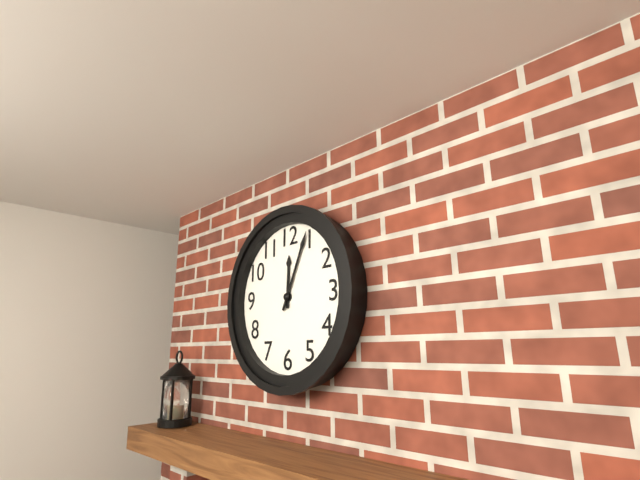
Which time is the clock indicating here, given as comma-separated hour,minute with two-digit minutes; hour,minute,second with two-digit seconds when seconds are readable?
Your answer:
12,04
